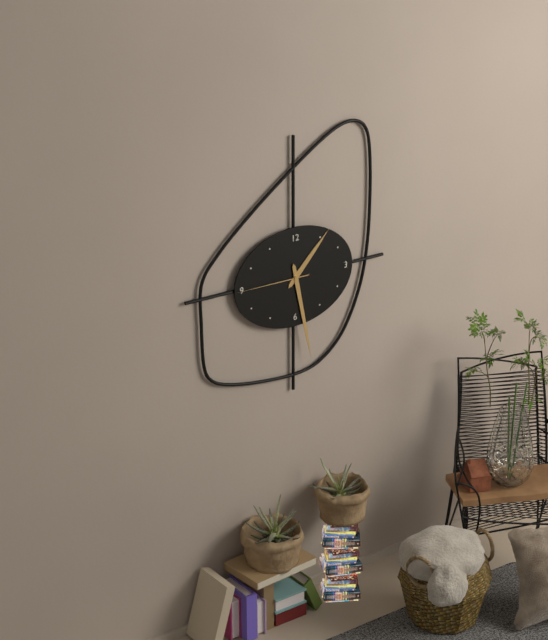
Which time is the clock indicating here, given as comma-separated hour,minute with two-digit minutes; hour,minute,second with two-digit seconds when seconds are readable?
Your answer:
1,28,45
